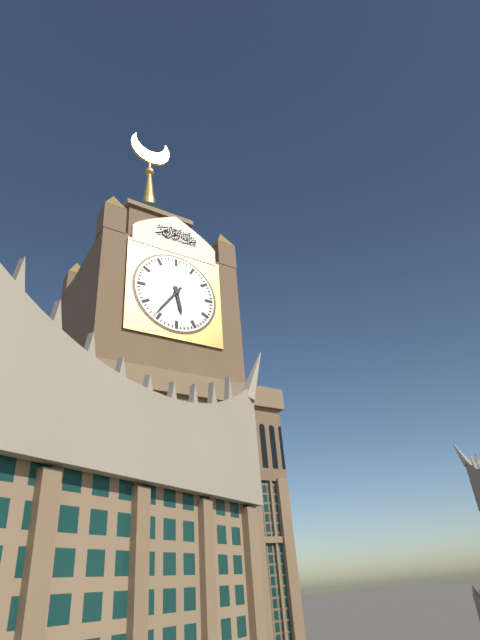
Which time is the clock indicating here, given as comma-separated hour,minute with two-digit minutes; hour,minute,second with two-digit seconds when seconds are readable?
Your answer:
5,36
